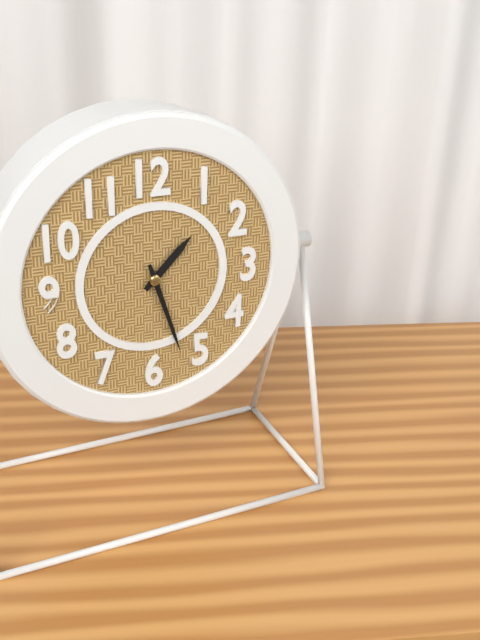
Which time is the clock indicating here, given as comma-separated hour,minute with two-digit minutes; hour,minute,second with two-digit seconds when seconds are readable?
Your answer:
1,27
